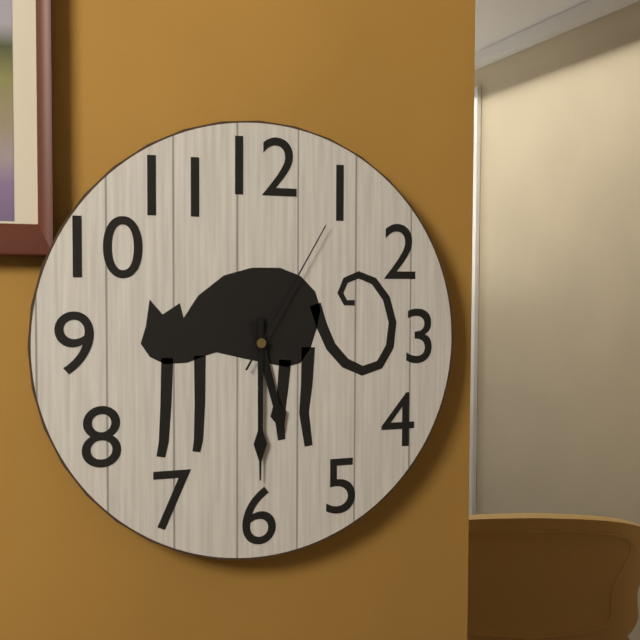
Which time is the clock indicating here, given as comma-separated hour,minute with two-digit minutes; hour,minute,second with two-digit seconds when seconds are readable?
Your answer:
5,30,05
